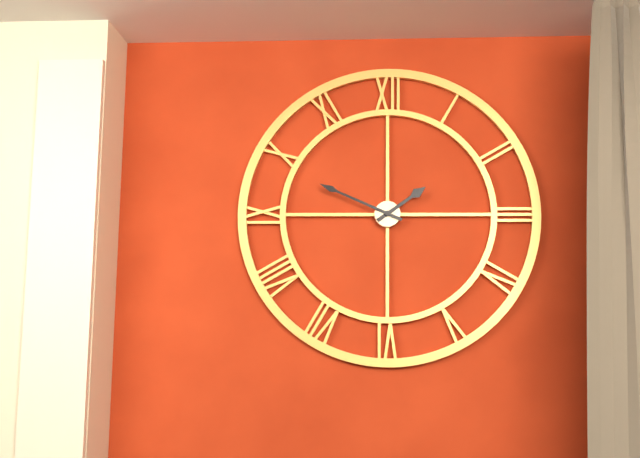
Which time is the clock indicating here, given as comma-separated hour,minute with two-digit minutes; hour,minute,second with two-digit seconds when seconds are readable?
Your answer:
1,49
